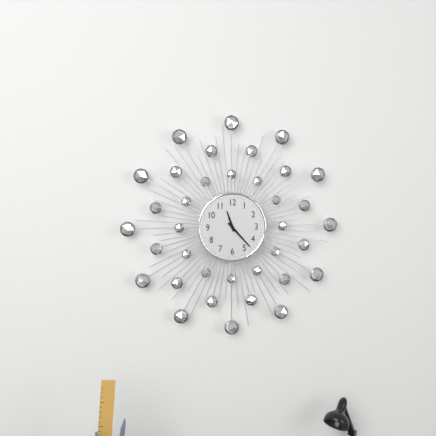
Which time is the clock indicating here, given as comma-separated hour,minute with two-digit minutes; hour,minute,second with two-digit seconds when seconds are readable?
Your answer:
11,23
